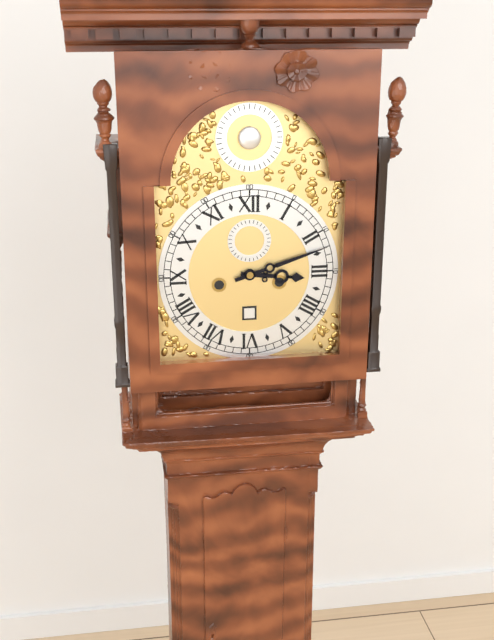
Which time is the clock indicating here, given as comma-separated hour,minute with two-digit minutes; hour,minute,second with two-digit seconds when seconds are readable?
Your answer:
3,12
